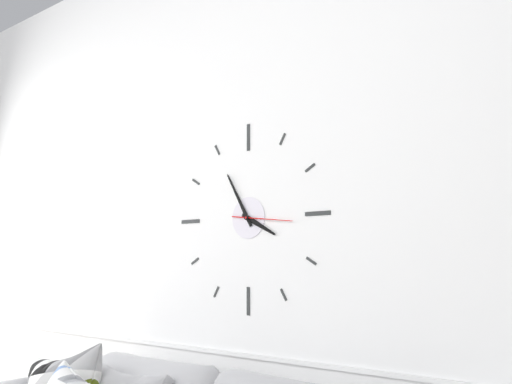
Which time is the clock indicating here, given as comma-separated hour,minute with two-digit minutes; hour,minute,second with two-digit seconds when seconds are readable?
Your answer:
3,55,16
